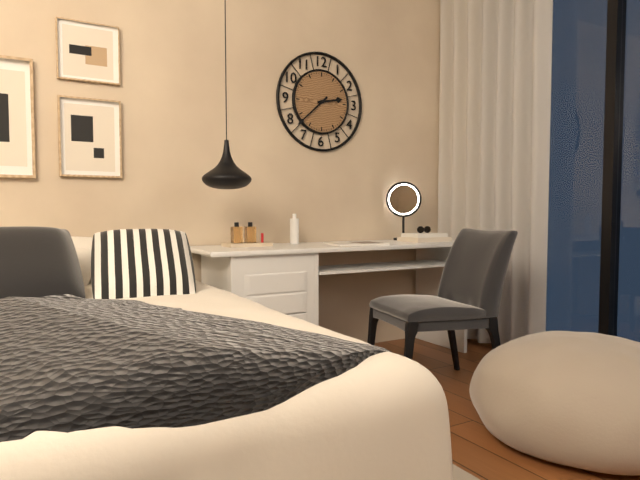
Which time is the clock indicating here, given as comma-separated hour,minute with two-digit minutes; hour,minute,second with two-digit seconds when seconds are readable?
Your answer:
2,38
